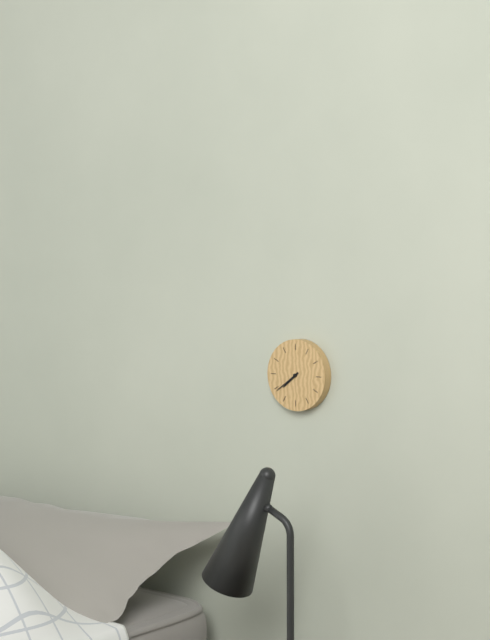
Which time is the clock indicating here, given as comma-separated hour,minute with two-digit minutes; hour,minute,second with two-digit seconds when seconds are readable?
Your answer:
7,39
